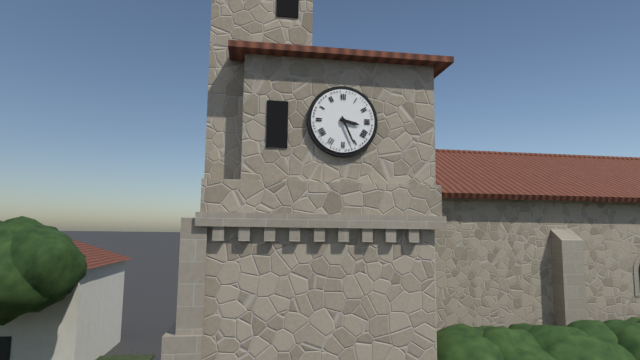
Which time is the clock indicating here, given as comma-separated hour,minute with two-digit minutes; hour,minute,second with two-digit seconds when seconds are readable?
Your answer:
3,26
